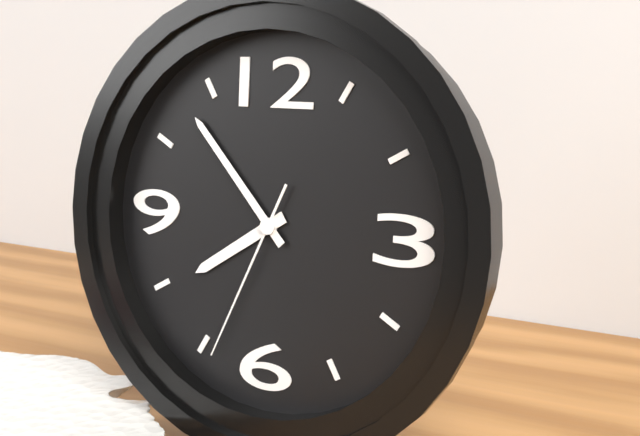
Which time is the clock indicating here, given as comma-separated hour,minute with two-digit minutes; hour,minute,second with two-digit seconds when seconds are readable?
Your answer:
7,53,34
